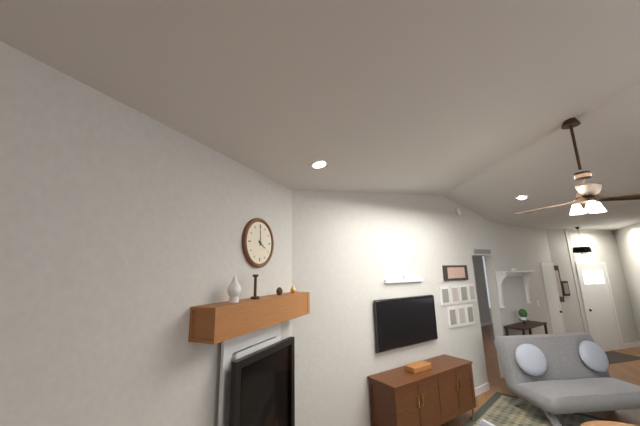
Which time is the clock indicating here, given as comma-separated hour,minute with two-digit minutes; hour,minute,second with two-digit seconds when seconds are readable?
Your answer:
4,00
